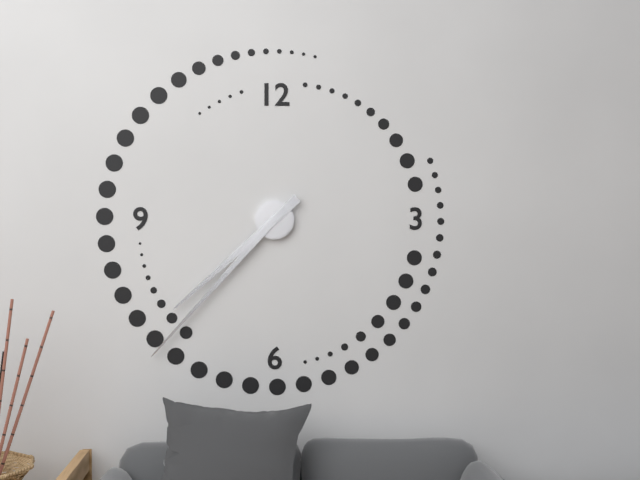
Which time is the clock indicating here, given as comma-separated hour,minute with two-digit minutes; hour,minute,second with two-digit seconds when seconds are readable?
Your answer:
7,37
